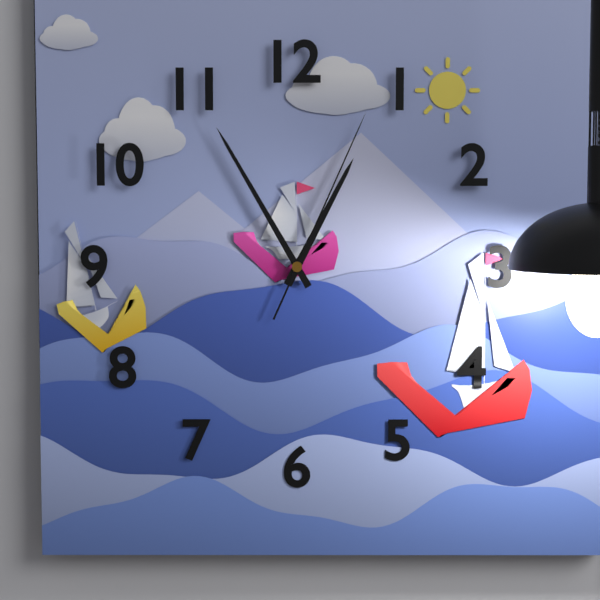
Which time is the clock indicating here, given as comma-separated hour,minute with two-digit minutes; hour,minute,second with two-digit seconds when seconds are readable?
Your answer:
12,55,04
